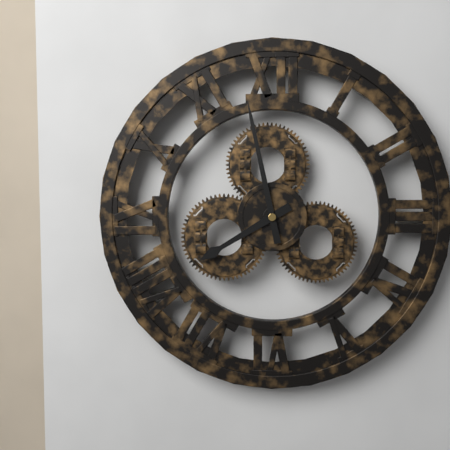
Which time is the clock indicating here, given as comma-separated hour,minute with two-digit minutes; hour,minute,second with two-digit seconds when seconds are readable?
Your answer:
7,58
